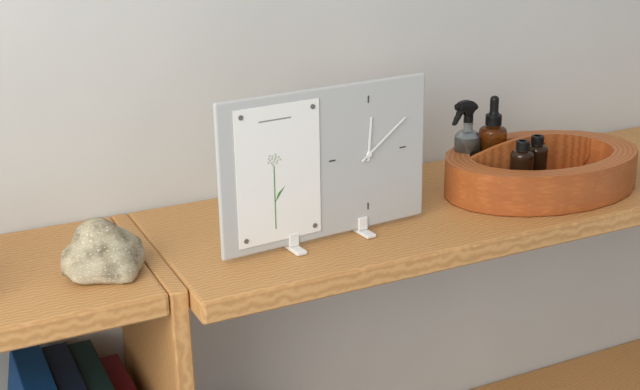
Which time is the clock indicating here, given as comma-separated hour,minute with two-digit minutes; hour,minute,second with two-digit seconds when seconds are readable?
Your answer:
12,09
